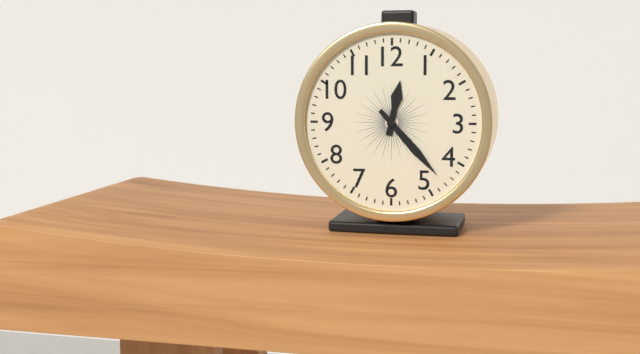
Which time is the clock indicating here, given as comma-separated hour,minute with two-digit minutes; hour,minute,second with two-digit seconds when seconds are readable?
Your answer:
12,23
